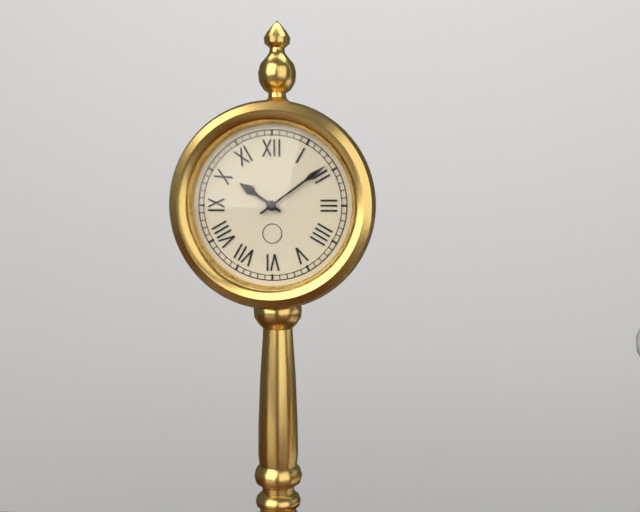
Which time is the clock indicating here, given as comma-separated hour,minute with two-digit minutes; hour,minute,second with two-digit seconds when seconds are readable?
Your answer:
10,09
